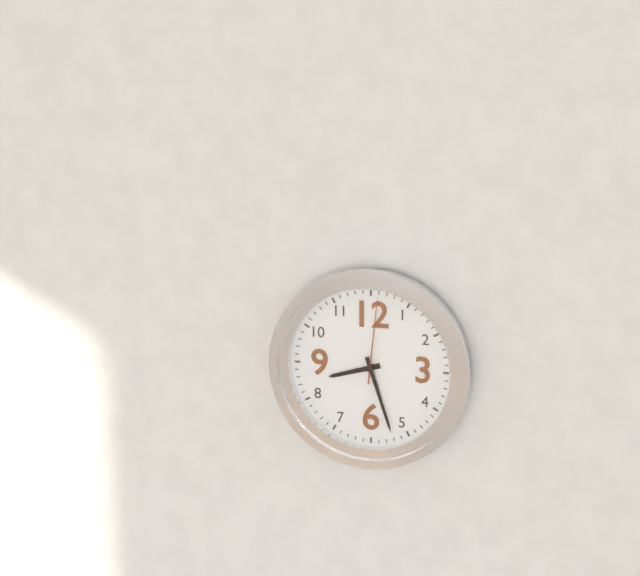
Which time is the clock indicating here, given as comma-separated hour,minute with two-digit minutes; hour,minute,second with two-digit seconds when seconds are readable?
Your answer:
8,27,01
